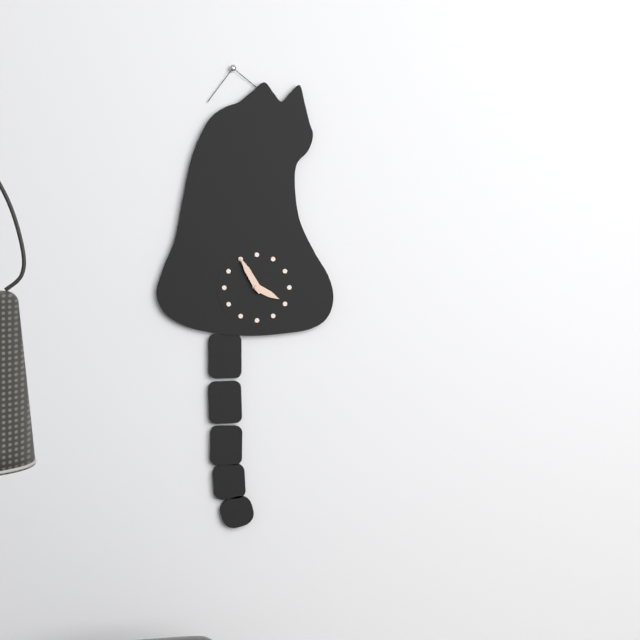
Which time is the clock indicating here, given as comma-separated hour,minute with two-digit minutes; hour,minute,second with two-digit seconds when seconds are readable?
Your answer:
3,55
